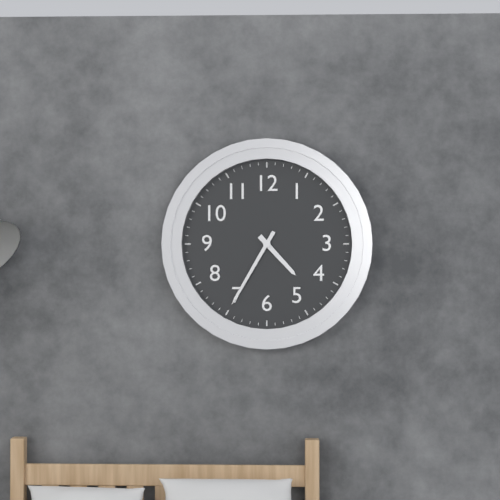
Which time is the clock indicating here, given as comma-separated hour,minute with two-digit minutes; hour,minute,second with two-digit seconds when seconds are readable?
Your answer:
4,35
